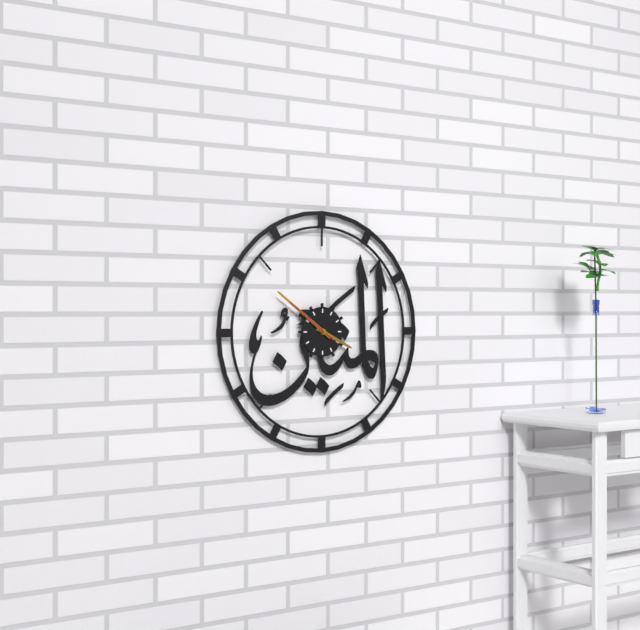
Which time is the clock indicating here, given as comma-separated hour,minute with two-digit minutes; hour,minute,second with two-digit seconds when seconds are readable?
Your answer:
3,51,51
